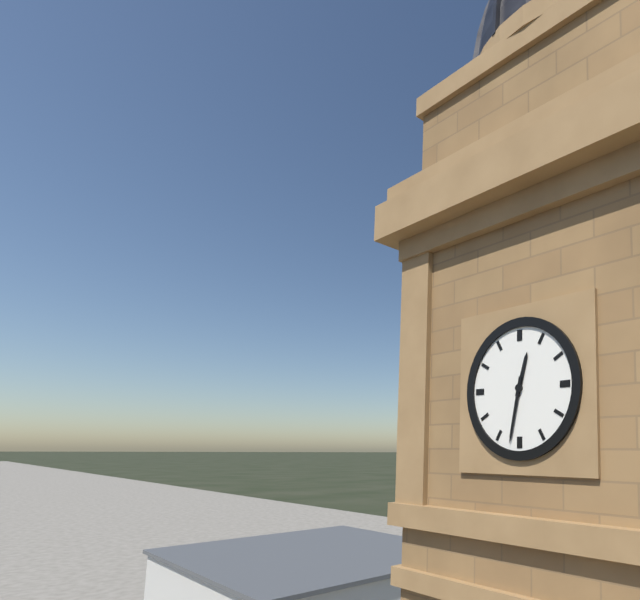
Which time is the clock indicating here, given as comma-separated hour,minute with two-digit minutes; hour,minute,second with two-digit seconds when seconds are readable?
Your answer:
12,32
